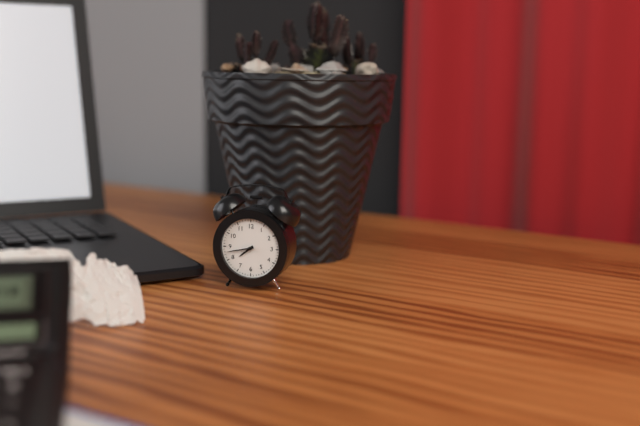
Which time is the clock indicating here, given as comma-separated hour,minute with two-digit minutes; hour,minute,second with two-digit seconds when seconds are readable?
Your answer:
7,43
